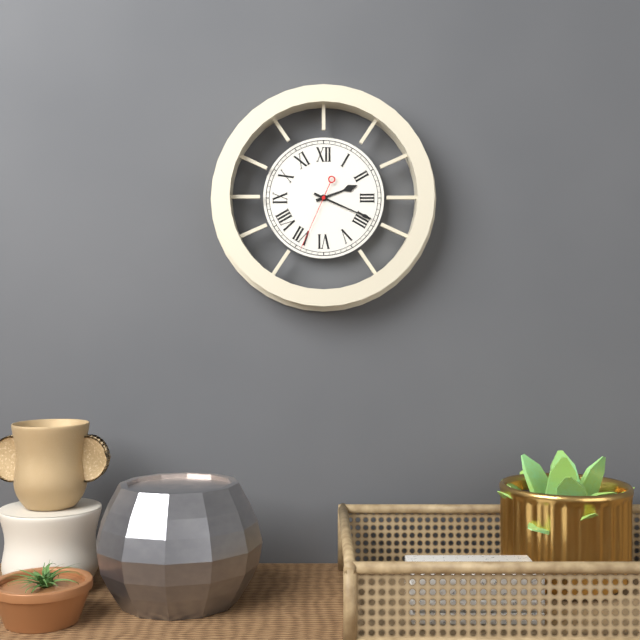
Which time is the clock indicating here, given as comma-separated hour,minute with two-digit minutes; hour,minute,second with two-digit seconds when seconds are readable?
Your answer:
2,19,34
